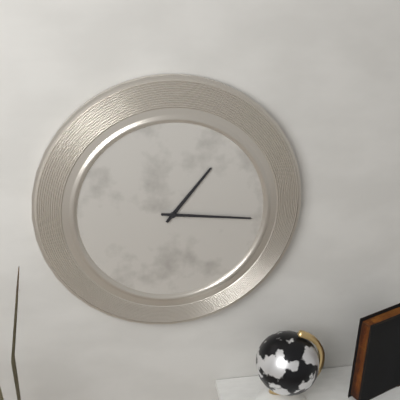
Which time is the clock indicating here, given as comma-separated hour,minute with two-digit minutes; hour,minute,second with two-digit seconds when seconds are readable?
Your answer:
1,16
